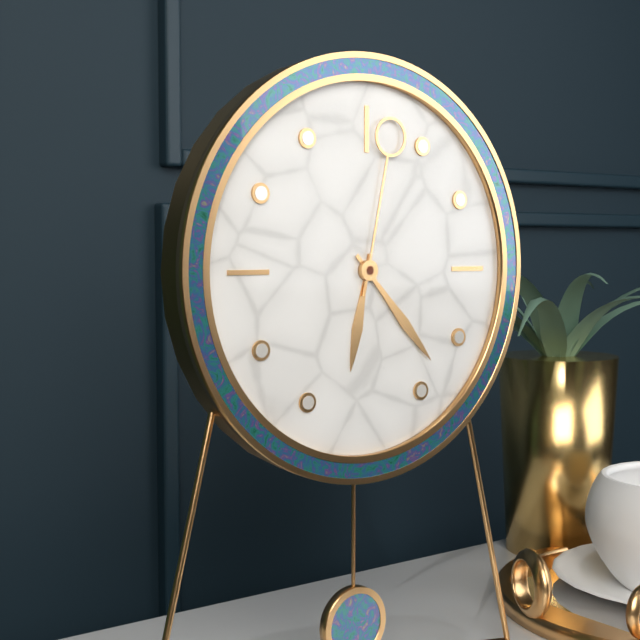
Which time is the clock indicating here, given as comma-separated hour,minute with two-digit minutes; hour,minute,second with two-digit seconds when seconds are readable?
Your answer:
6,23,02
